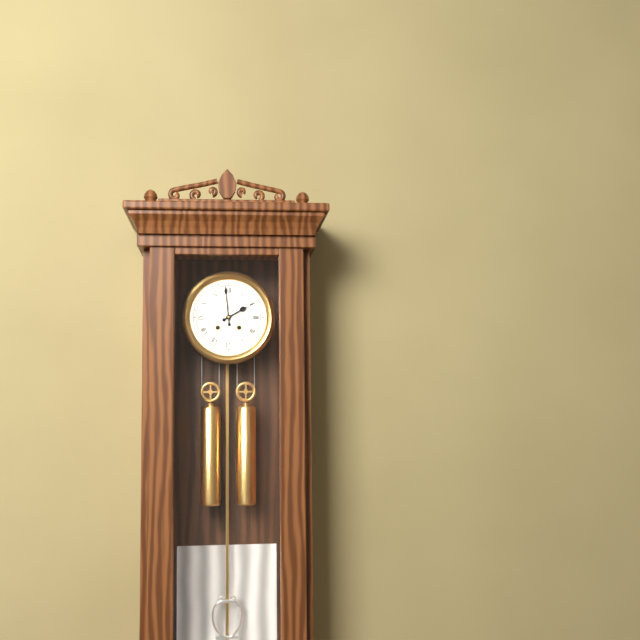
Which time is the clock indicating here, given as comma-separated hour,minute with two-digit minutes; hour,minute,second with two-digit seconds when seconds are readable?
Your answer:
1,59
